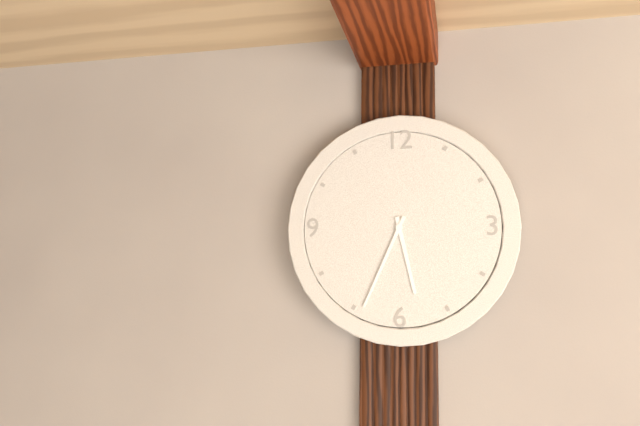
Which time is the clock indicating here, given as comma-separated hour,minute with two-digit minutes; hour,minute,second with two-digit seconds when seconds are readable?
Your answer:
5,34
